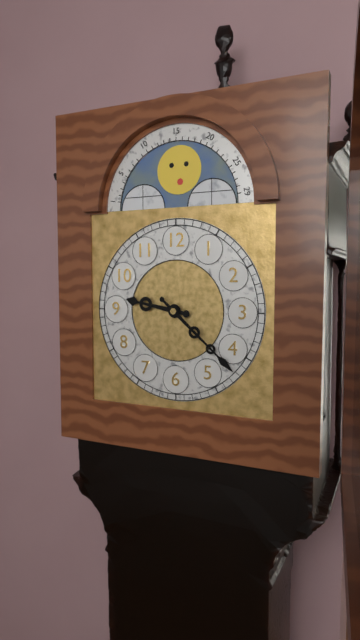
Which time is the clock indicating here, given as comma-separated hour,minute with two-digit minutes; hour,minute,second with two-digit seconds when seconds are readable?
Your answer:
9,22
